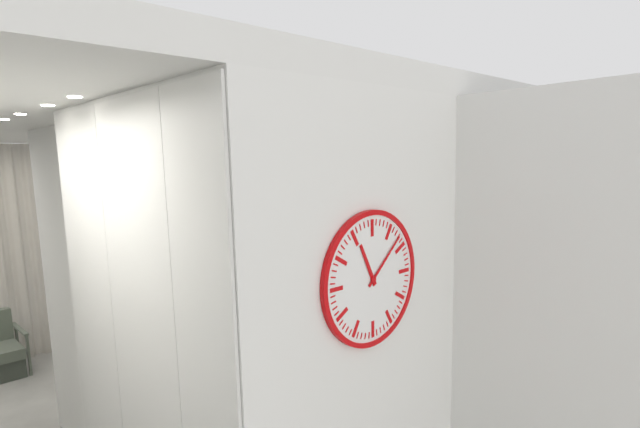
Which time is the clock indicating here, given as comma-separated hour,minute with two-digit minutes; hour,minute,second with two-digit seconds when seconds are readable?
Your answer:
11,08
